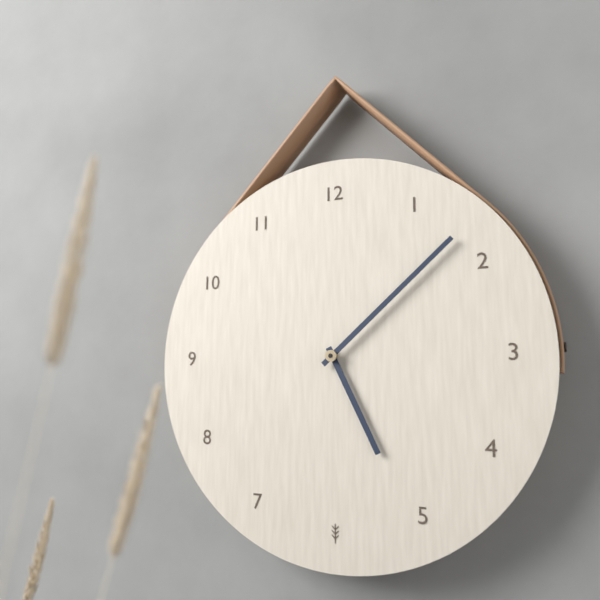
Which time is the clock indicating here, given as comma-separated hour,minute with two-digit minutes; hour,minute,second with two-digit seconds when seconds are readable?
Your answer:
5,08
